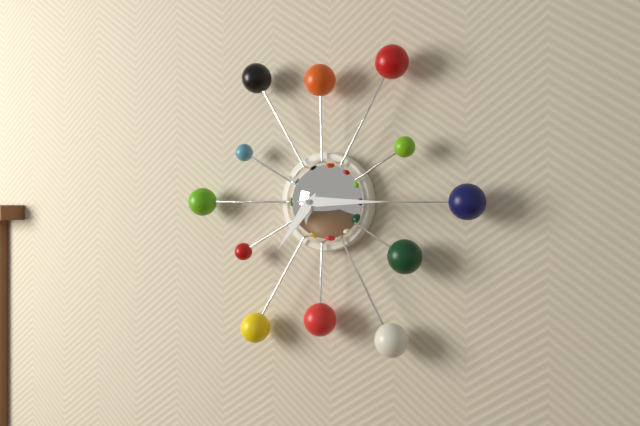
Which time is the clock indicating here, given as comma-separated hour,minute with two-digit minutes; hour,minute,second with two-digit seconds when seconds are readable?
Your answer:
7,15
